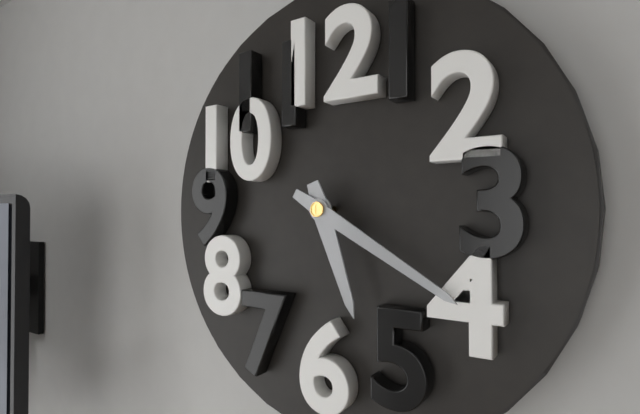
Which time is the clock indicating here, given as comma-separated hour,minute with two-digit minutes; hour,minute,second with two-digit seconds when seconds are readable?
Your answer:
5,20
